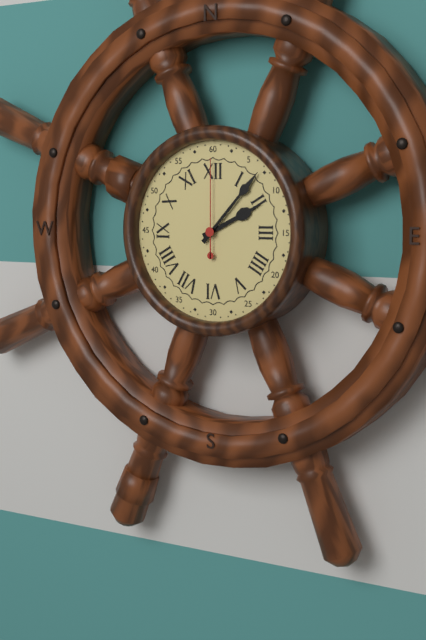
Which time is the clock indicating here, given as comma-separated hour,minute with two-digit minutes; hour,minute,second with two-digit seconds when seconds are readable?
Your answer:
2,07,00
